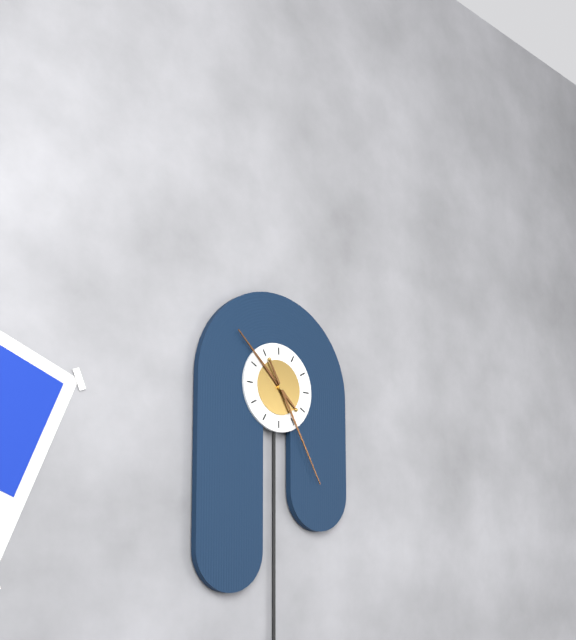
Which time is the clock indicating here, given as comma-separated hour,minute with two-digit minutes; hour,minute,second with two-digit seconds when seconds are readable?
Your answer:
10,25
